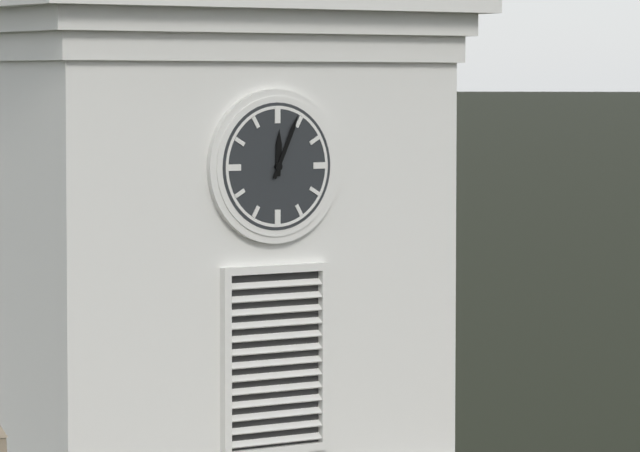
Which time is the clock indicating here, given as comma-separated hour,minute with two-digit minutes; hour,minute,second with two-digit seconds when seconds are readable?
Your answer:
12,04
